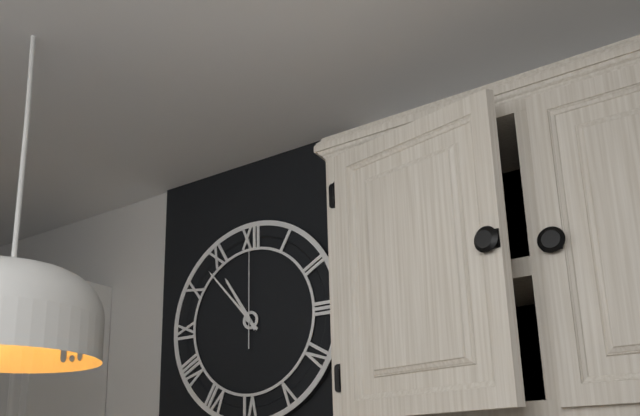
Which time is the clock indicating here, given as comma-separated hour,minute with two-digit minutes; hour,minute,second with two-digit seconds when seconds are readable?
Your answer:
10,53,00
